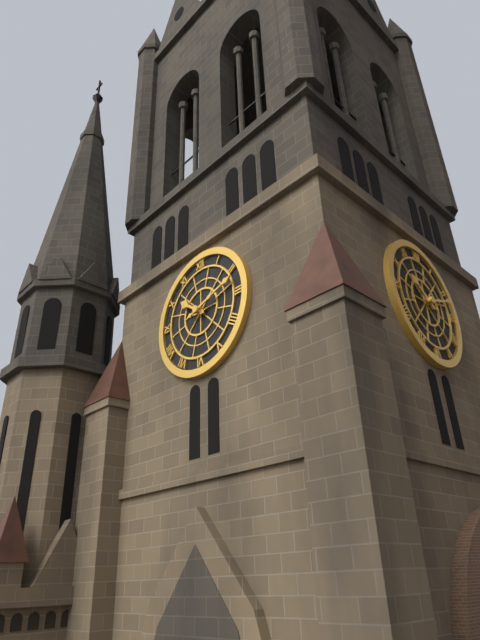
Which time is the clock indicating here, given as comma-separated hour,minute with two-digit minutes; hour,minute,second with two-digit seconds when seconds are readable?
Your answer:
10,12
